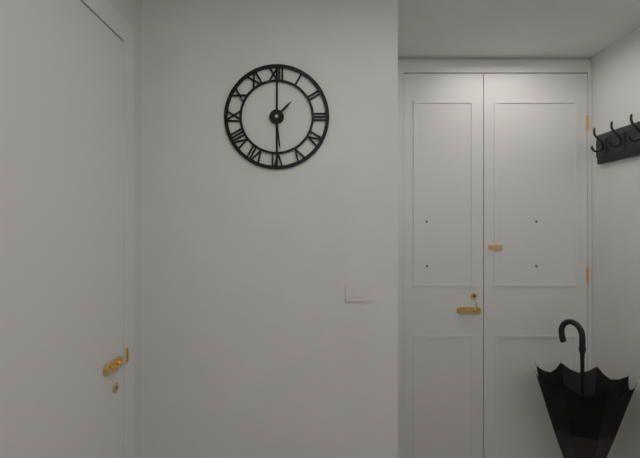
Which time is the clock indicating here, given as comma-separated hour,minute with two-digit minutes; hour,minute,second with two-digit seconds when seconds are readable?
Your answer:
1,29
